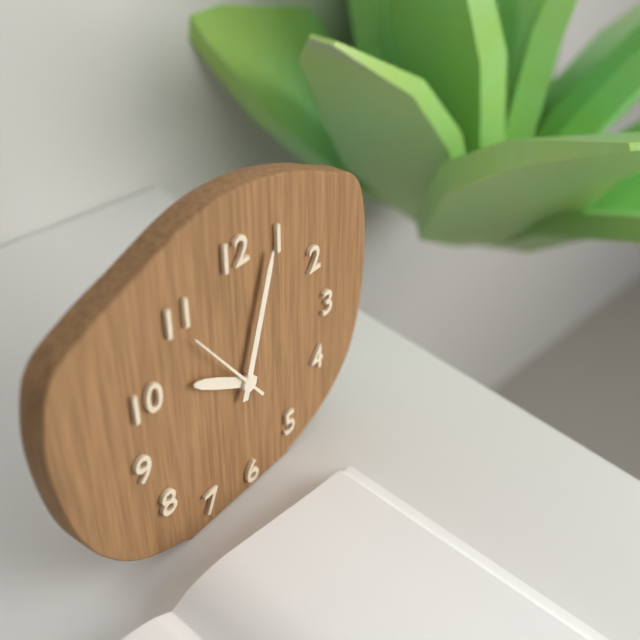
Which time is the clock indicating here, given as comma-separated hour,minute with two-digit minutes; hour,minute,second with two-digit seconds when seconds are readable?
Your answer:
10,03,54
